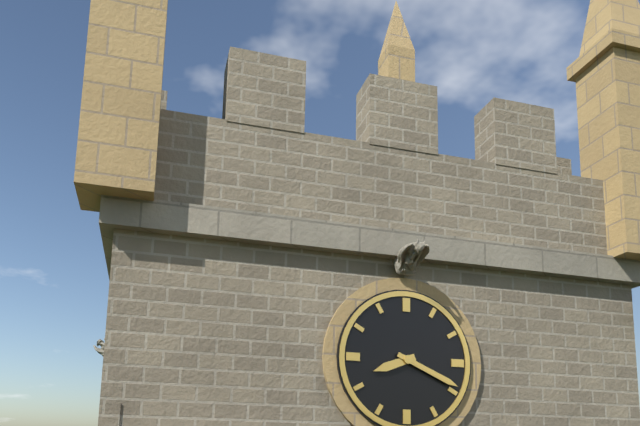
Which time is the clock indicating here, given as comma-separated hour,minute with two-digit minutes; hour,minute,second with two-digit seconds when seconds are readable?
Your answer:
8,19
